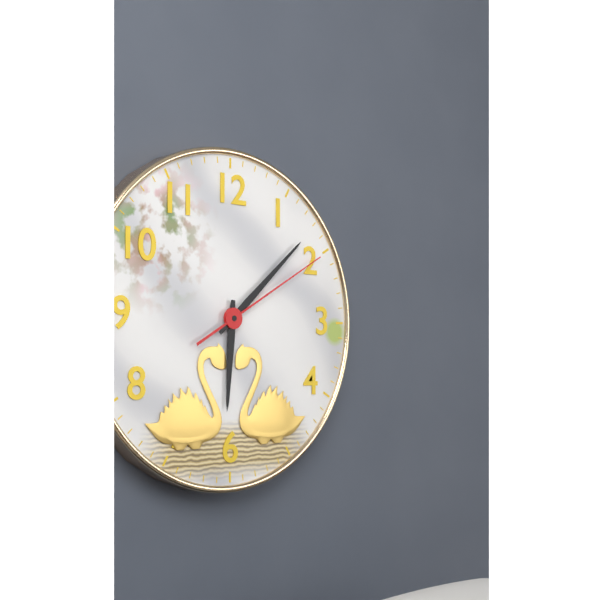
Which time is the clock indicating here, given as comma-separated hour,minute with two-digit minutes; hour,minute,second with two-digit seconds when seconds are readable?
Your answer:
6,08,10
